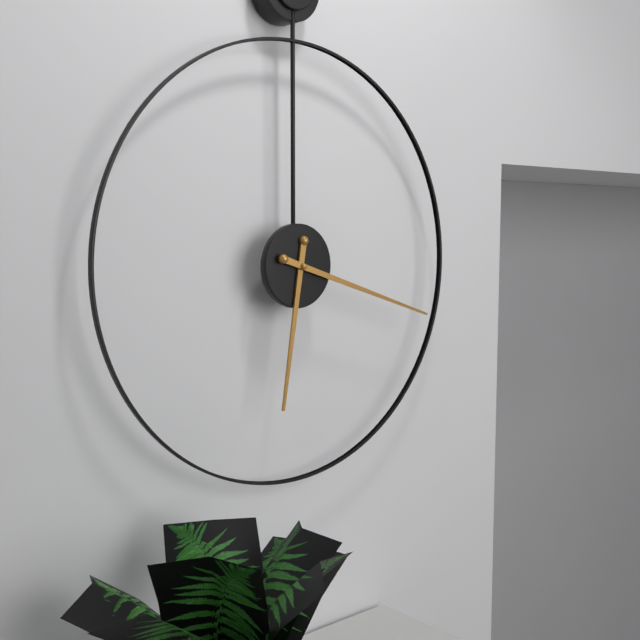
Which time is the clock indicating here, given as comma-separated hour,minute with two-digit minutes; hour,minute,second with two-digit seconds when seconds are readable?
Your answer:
6,18
